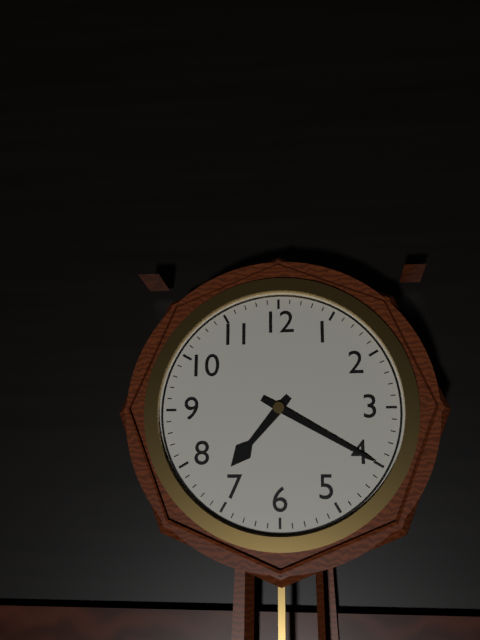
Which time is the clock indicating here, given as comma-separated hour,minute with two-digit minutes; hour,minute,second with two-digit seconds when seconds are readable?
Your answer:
7,20
